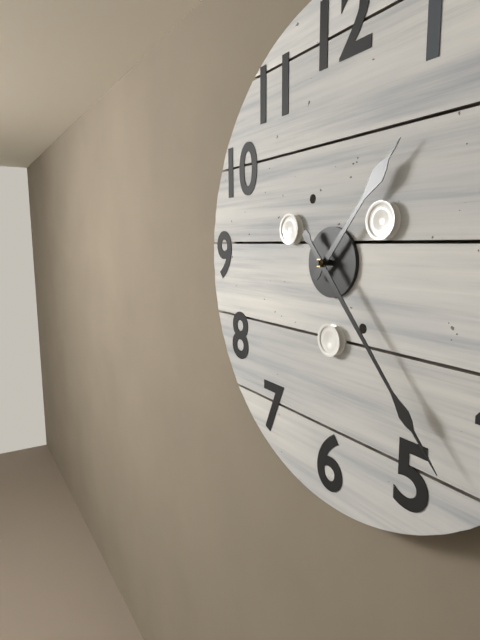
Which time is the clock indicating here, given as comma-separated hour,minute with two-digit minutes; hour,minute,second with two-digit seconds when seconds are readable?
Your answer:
1,23
